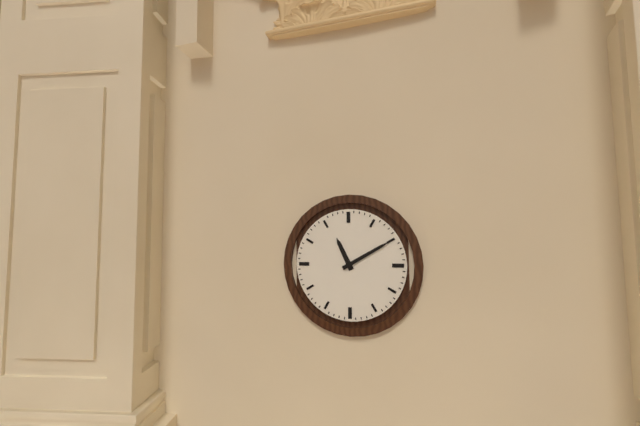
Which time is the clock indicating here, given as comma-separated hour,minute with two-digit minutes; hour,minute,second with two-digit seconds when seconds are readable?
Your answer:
11,10
